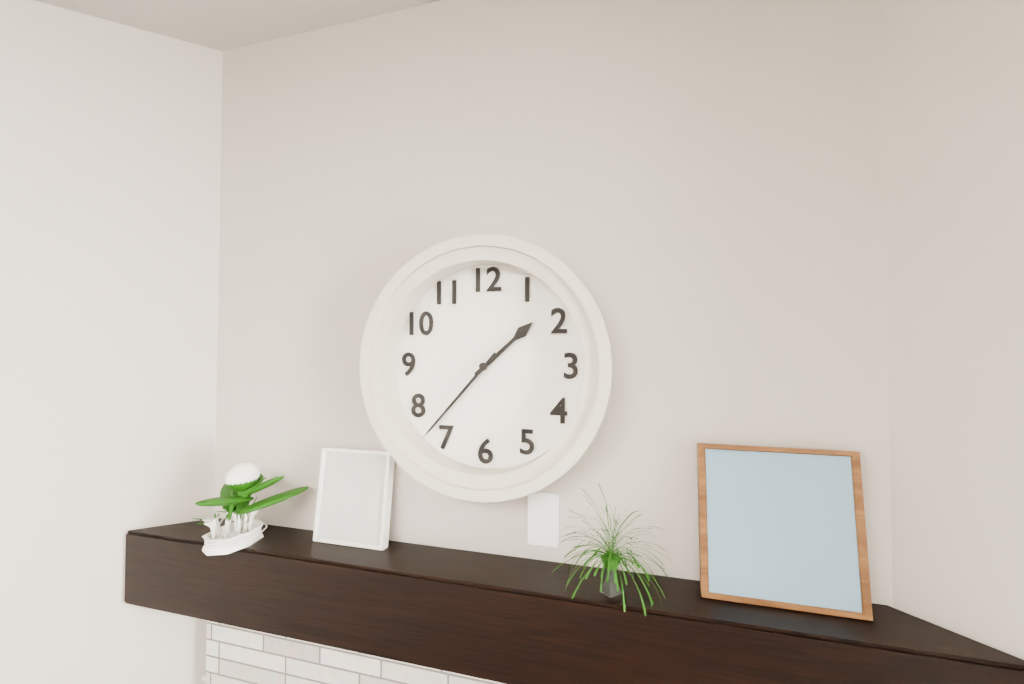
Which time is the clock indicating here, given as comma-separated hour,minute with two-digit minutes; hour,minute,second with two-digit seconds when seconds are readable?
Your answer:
1,37
